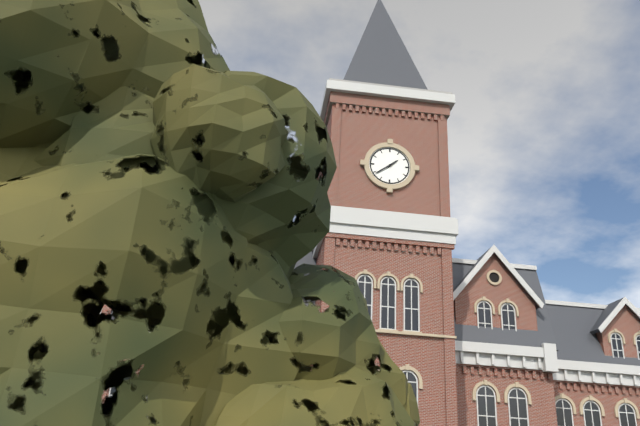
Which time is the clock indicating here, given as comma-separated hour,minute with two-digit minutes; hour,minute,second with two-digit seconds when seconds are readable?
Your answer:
1,39
